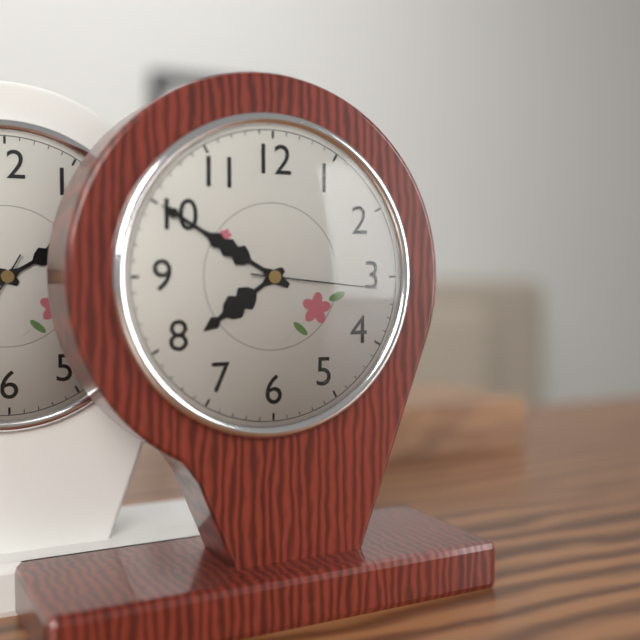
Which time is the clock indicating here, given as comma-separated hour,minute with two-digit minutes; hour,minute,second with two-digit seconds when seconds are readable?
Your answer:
7,50,16
